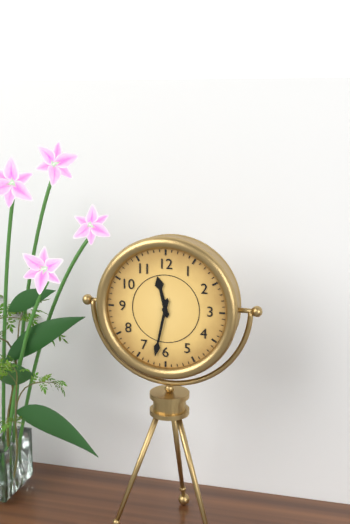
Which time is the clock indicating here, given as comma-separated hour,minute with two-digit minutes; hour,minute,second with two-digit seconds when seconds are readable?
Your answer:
11,32
